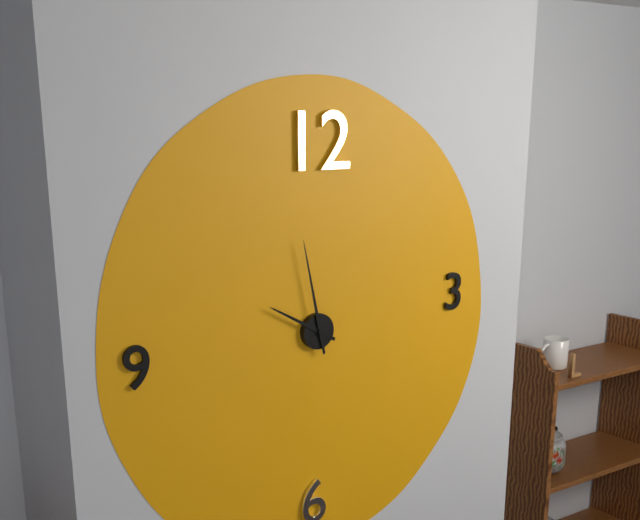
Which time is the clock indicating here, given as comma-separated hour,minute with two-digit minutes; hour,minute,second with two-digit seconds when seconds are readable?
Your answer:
9,58
